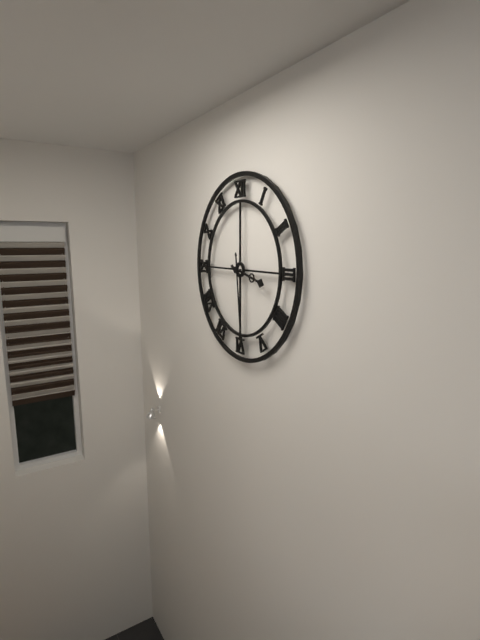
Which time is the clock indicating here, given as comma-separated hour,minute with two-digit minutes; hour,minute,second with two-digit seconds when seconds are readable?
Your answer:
3,29
